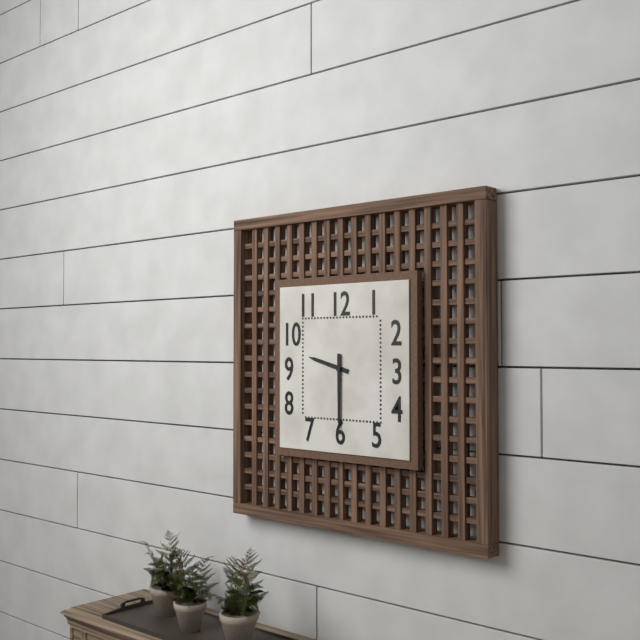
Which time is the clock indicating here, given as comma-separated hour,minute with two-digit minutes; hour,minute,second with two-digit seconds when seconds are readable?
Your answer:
9,30
